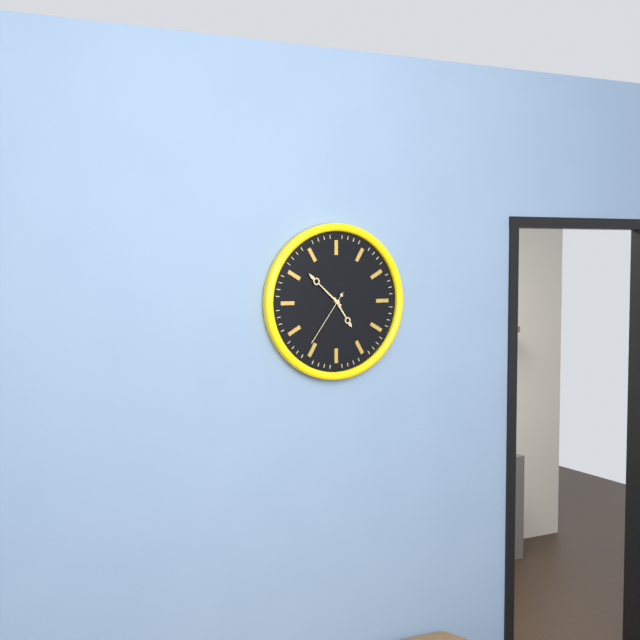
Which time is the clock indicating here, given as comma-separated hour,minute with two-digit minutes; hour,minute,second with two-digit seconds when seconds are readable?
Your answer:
4,52,36
